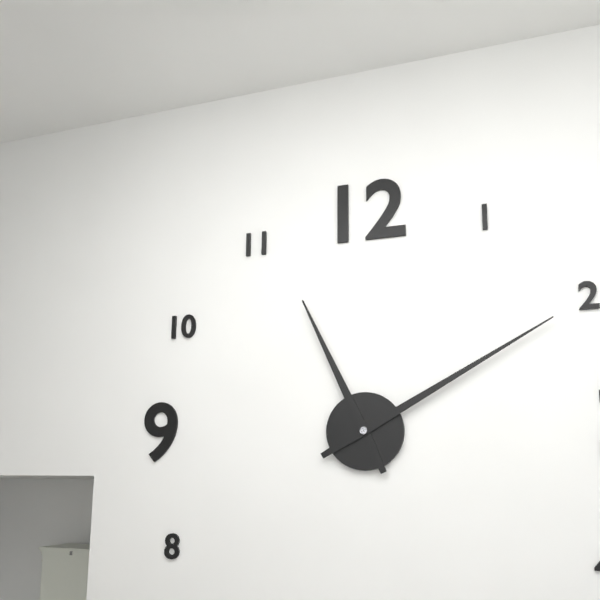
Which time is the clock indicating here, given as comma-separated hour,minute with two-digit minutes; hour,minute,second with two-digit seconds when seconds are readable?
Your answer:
11,10
